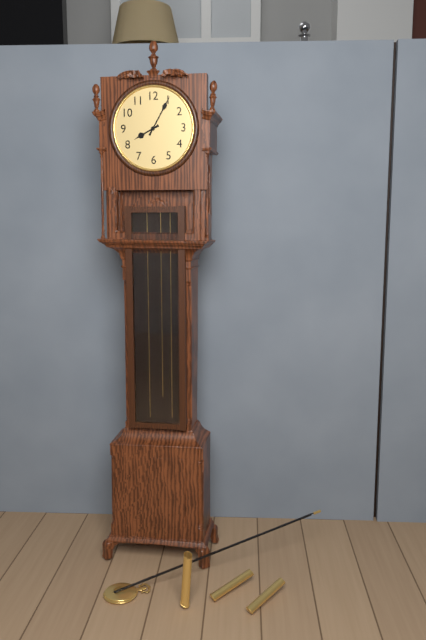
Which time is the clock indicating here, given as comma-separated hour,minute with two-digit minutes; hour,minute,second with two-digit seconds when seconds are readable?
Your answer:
8,05
